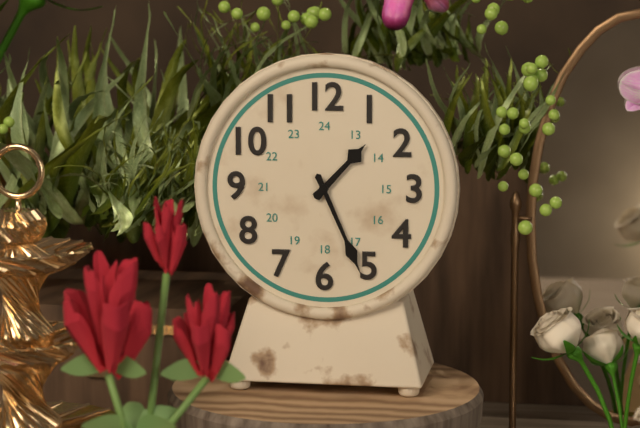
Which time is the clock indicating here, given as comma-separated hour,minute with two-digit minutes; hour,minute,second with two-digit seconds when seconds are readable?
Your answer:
1,26
